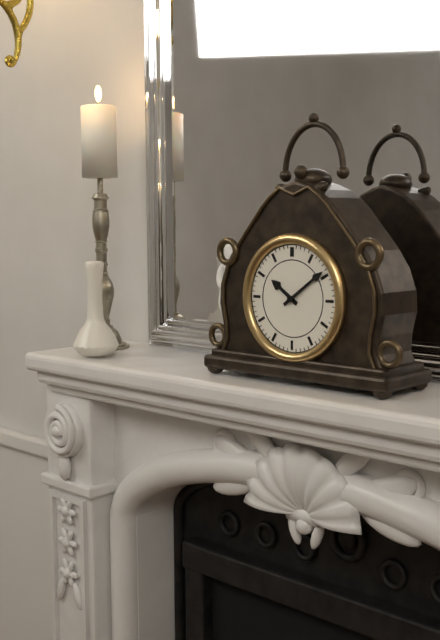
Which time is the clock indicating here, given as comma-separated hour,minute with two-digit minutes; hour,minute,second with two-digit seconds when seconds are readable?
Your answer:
10,09
